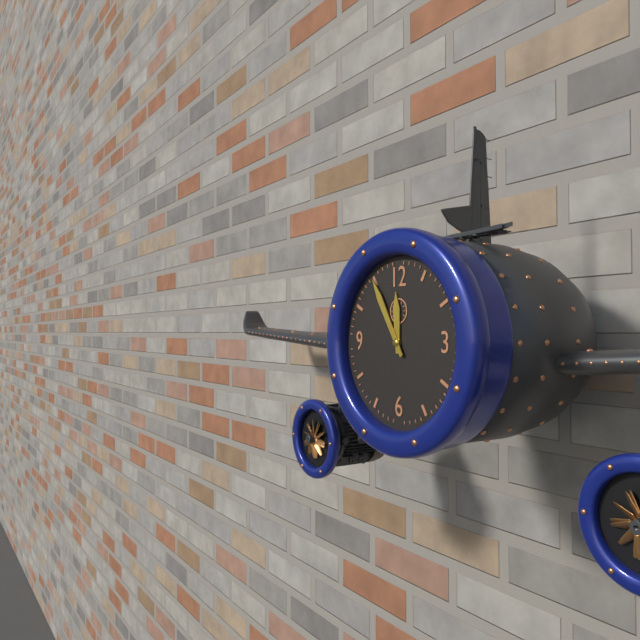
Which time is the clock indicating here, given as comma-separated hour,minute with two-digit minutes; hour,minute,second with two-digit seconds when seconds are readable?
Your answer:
11,55
